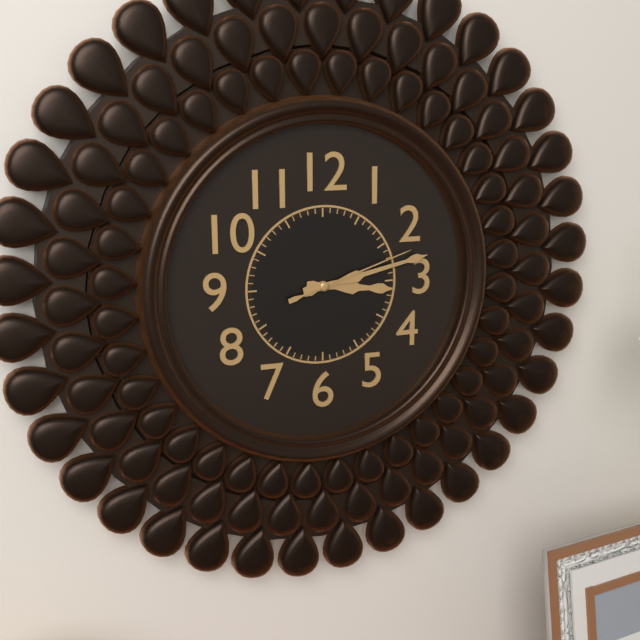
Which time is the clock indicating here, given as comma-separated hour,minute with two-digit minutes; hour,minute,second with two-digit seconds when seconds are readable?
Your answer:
3,13,12
